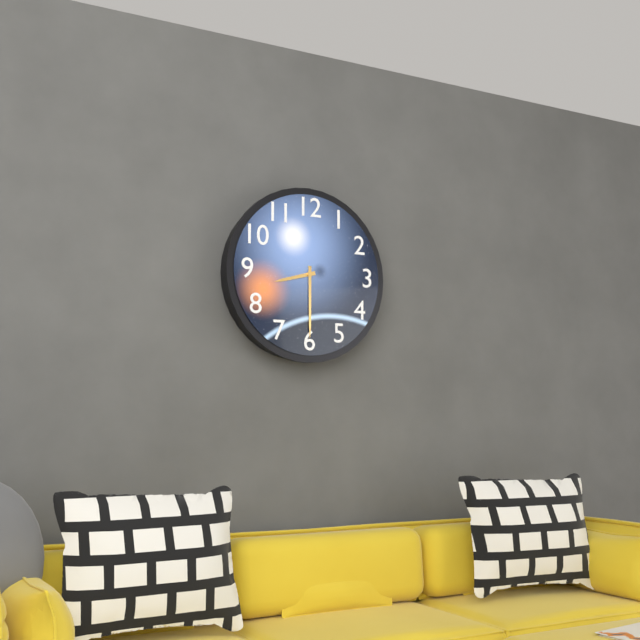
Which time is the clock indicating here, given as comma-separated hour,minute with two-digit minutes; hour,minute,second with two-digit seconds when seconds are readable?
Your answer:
8,30
